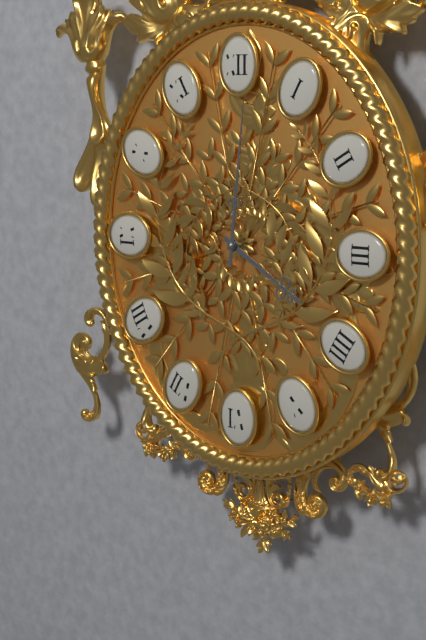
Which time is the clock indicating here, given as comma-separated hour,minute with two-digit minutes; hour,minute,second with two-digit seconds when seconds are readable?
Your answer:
4,01
